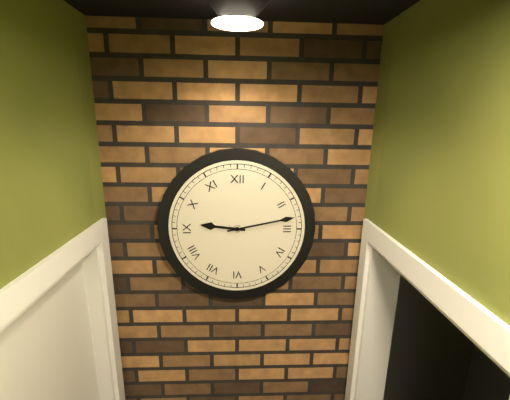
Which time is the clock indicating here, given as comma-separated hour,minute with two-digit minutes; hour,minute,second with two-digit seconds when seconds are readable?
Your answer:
9,13
